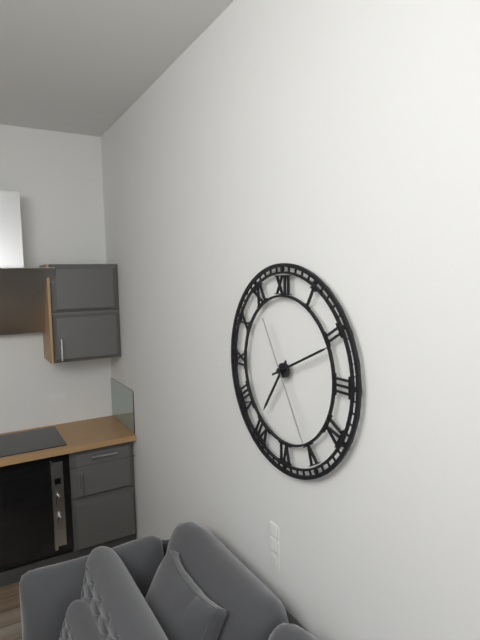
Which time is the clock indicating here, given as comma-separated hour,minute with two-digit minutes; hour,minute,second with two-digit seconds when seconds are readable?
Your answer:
7,11,25
